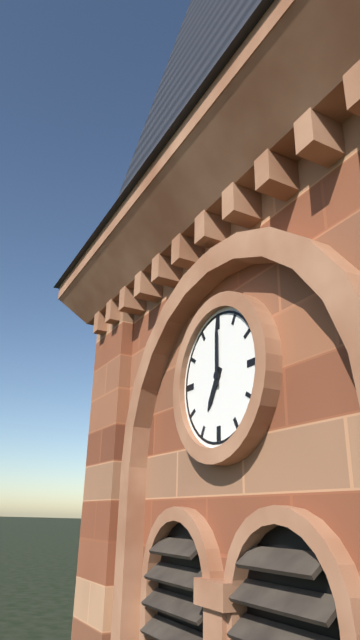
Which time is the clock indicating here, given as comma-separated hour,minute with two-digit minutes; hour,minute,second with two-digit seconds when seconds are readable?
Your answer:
7,00
